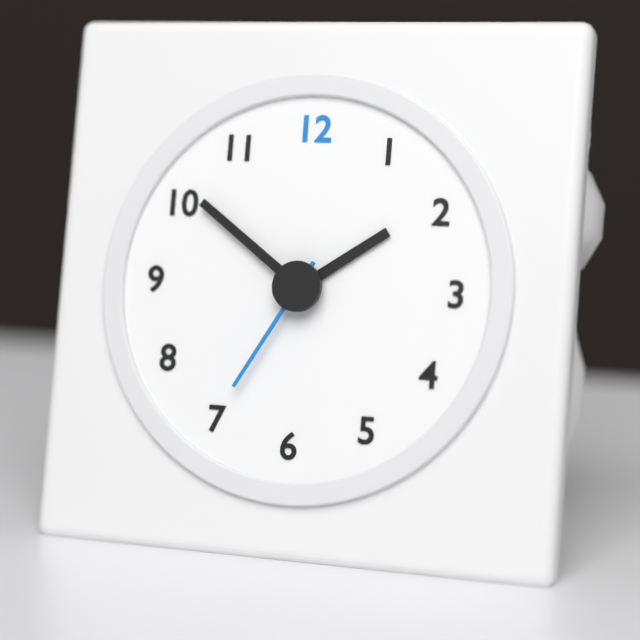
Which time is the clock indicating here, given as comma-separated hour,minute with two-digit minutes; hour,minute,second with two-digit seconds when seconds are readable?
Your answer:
1,51,35
